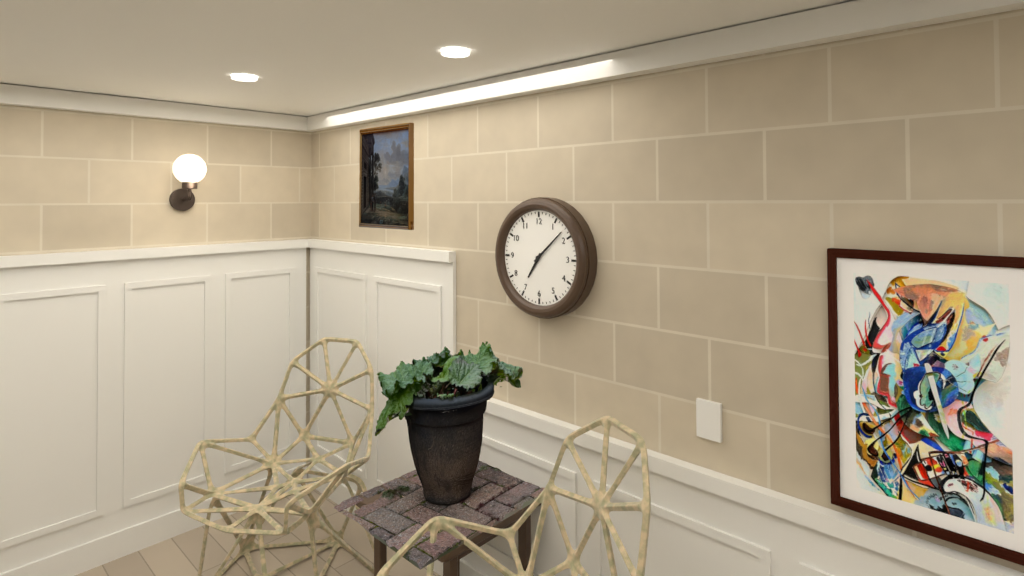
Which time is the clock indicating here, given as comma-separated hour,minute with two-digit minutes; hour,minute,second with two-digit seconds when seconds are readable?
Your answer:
7,08
